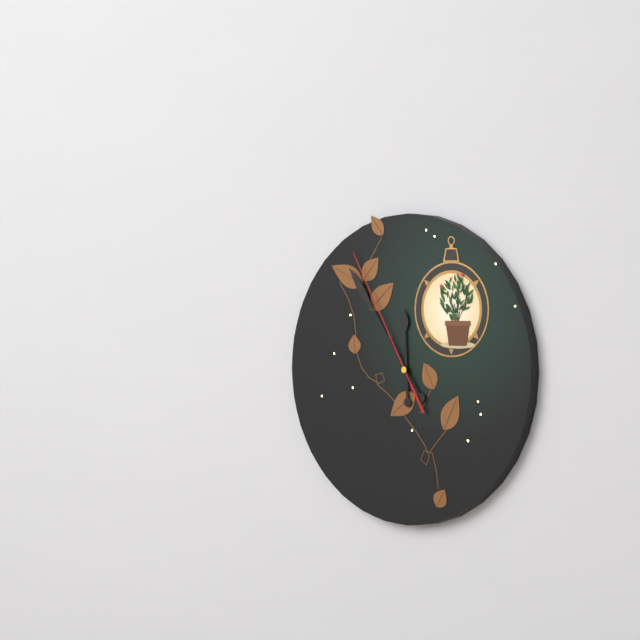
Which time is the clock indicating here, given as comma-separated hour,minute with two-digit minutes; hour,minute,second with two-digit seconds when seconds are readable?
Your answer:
11,54,55
